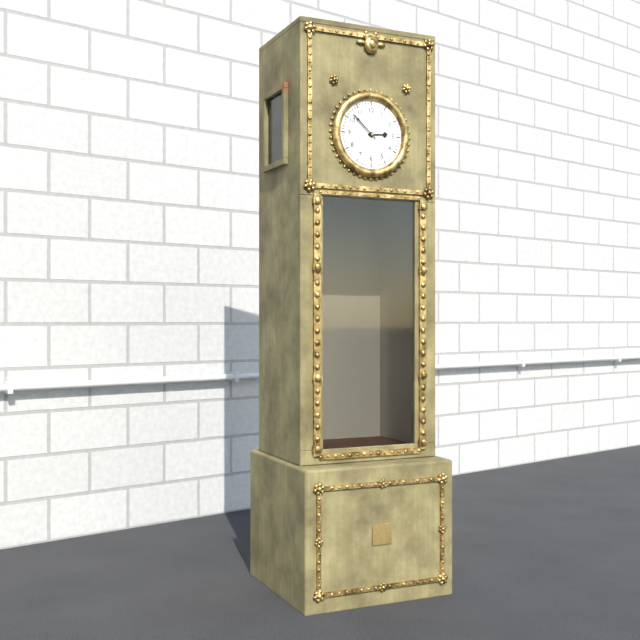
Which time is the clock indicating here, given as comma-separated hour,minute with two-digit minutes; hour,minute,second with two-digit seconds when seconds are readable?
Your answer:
2,52
